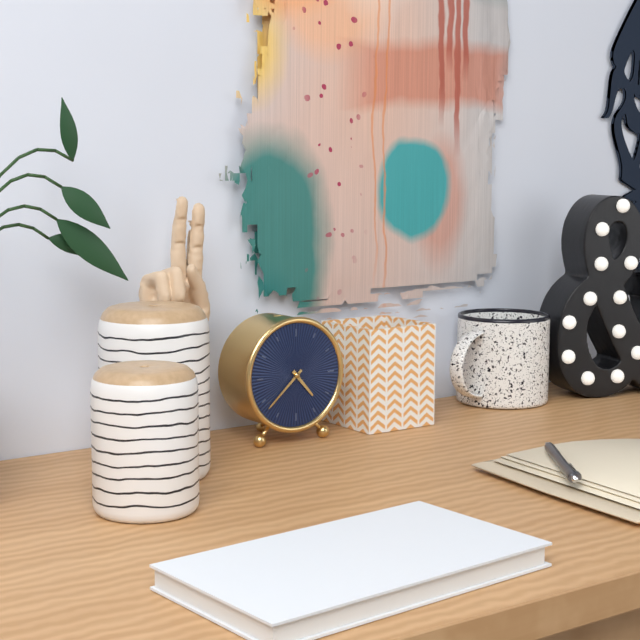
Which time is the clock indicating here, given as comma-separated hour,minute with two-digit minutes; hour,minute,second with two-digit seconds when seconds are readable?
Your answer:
4,38
